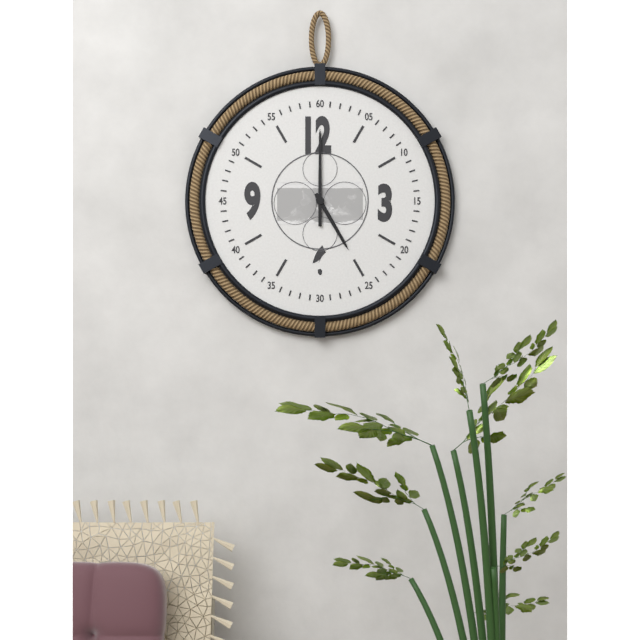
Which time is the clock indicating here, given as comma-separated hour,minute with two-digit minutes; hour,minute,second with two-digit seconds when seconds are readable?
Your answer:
5,00
